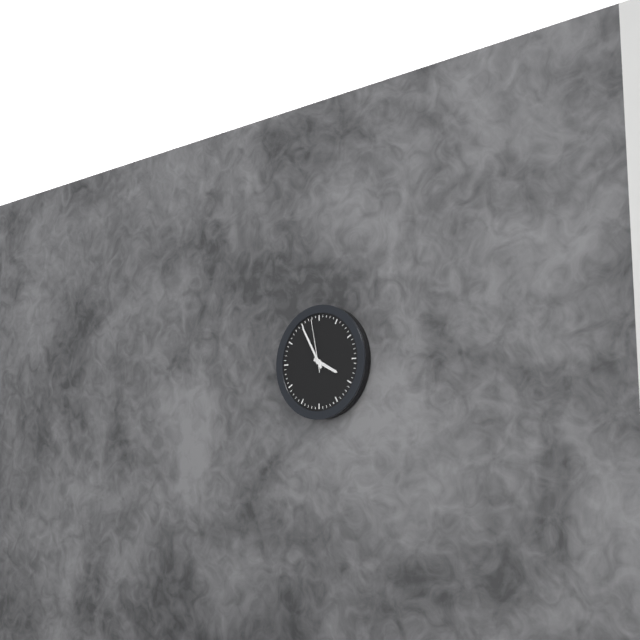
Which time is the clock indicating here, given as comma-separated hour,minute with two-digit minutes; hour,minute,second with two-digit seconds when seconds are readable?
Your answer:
3,55,58
